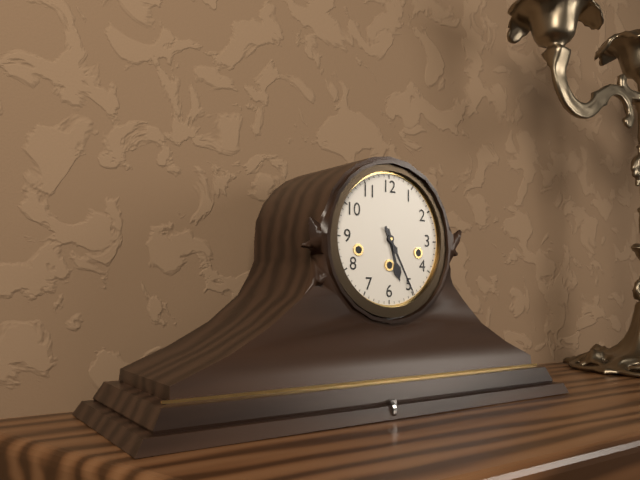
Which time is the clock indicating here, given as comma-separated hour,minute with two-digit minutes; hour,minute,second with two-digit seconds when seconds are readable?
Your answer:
5,25
